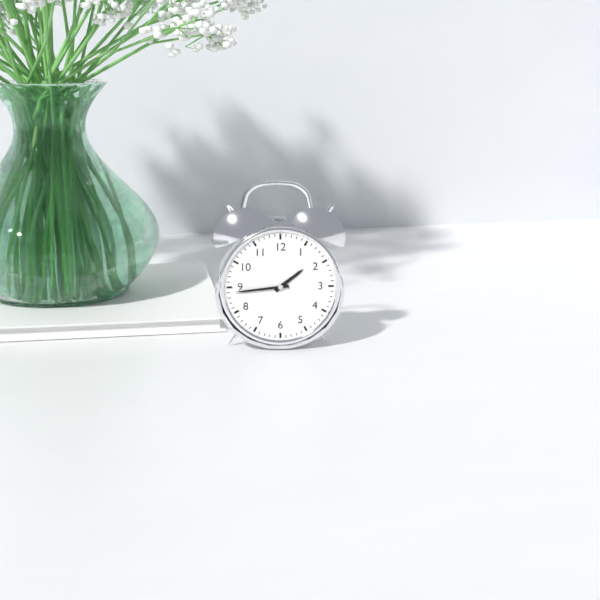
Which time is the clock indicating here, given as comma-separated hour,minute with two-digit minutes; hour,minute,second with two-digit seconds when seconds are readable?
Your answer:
1,44
